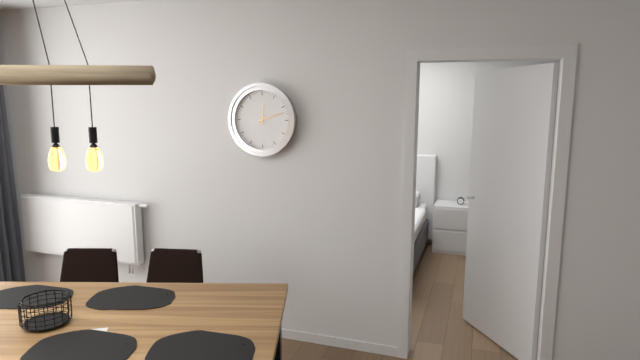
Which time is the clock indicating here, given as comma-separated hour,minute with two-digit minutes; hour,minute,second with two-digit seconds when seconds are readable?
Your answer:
12,12
